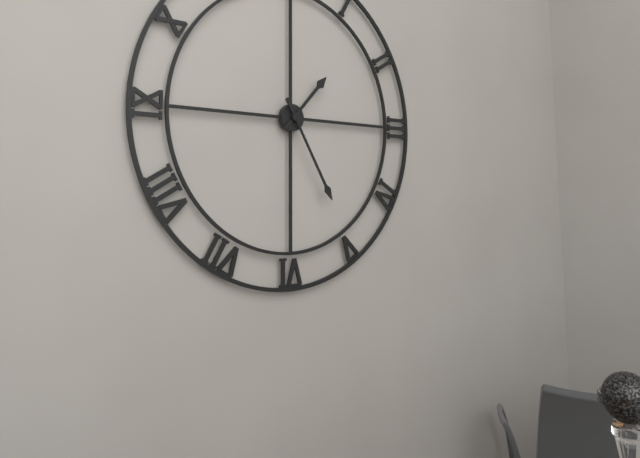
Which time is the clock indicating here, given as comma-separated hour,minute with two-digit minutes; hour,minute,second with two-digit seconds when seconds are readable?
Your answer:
1,25
